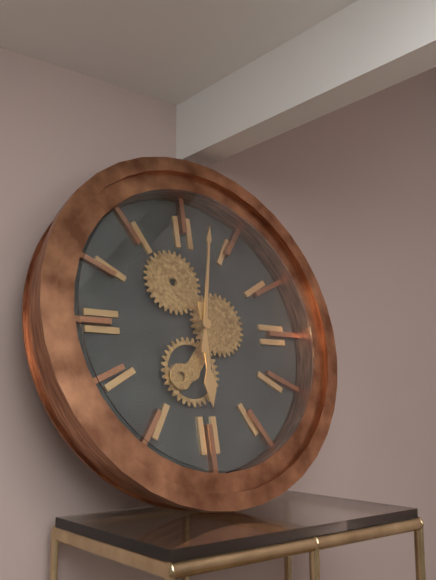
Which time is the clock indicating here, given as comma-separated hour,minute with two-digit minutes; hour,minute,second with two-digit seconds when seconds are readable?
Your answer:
6,02
